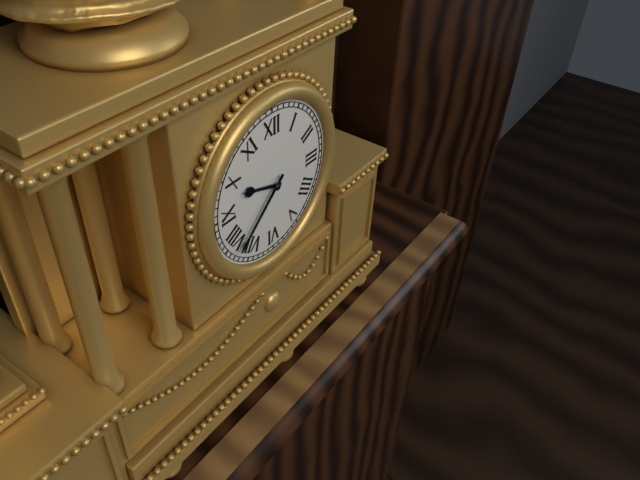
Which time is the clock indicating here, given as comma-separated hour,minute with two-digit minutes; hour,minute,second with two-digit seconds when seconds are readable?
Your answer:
9,38
